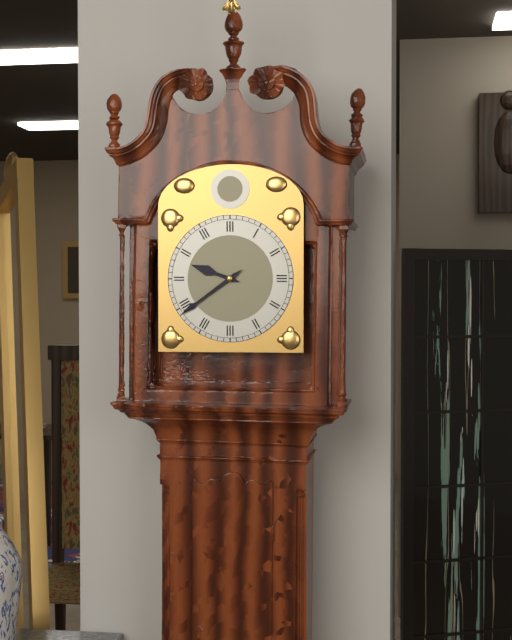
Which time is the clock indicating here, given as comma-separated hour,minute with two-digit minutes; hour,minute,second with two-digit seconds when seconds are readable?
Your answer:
9,39
